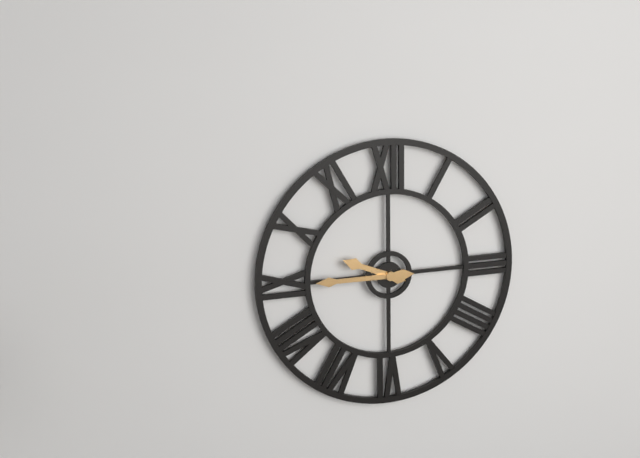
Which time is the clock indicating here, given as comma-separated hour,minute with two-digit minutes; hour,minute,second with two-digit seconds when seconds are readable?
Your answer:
9,45
